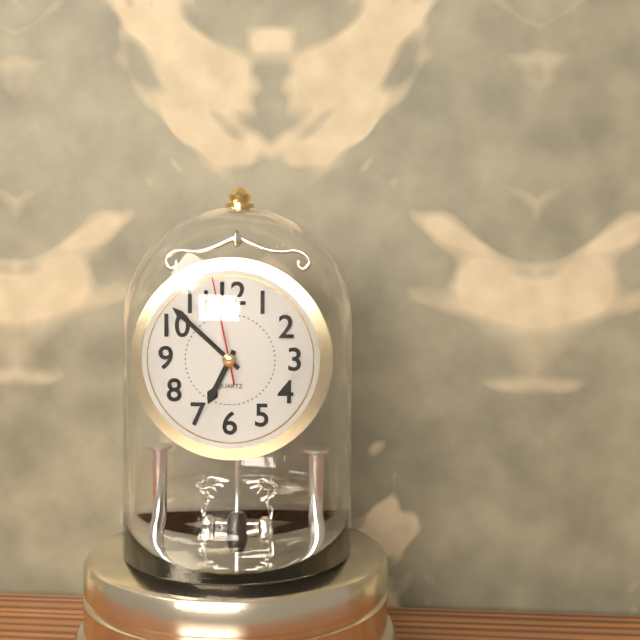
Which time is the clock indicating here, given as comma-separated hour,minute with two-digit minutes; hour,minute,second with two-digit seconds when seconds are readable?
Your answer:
6,52,58
